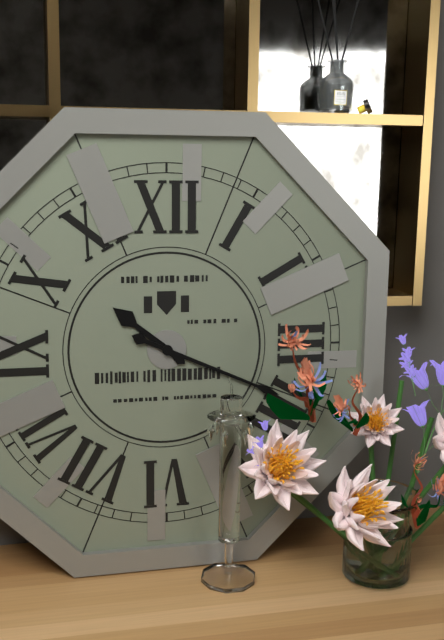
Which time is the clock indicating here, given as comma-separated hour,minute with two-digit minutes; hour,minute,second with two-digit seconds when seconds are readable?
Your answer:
10,19
